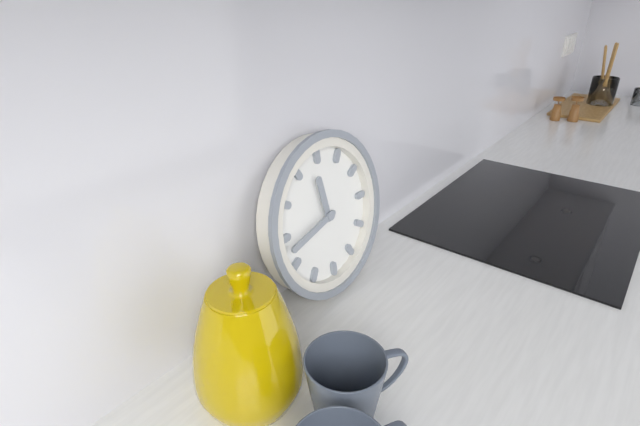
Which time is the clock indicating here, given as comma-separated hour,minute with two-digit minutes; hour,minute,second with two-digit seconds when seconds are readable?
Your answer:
11,43
